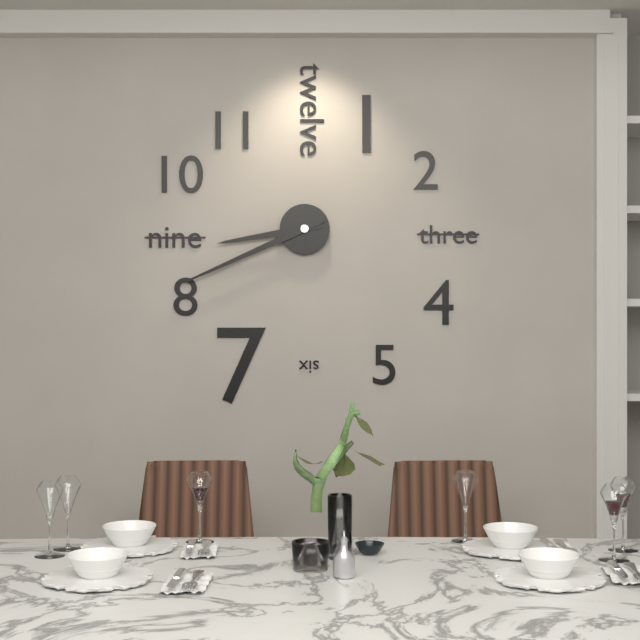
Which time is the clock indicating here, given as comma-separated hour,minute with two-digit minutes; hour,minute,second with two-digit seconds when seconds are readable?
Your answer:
8,41
